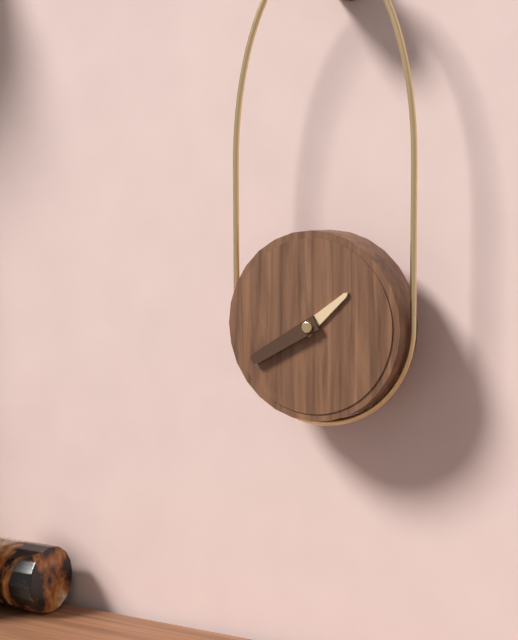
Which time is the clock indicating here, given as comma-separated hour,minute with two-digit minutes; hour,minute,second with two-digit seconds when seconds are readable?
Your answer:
1,40
